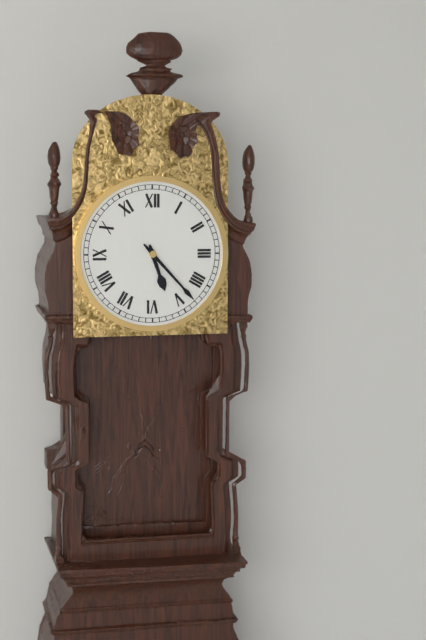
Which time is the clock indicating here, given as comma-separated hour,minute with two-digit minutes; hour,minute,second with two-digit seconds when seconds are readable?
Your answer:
5,23
